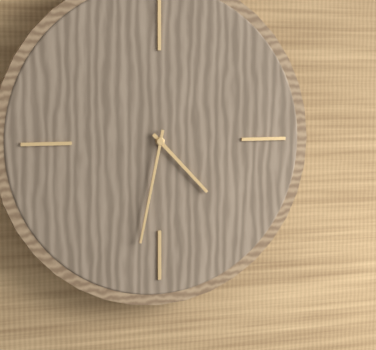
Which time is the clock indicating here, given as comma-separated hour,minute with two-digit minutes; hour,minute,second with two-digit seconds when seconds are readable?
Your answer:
4,32
